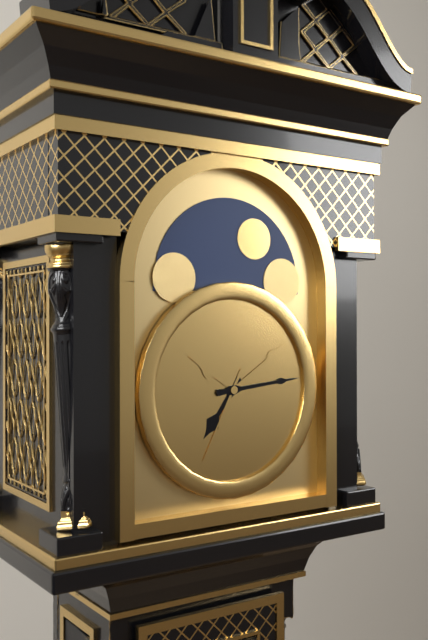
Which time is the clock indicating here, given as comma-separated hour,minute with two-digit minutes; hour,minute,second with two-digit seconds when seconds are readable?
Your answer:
7,14
